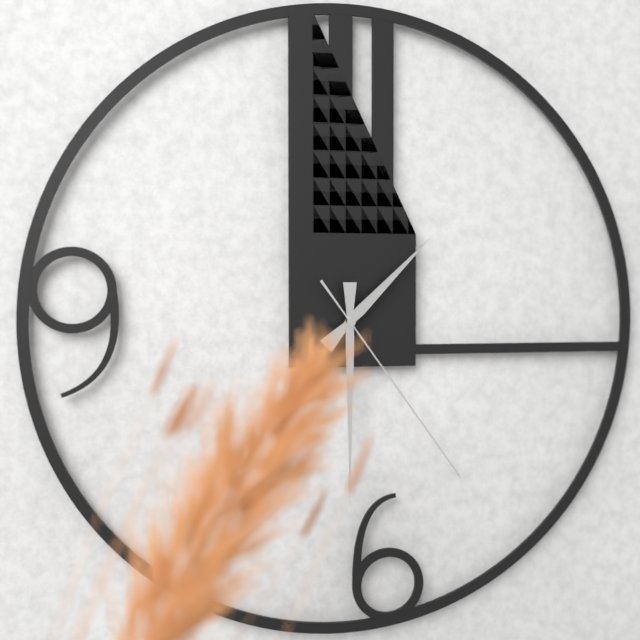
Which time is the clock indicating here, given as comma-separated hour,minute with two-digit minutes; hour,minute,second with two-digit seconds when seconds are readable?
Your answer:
1,30,24
